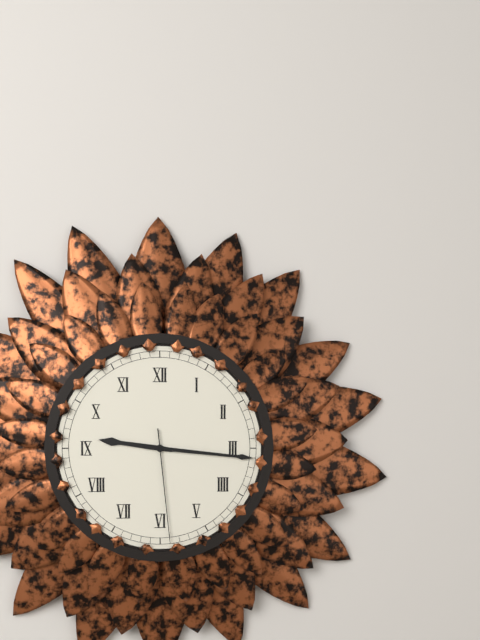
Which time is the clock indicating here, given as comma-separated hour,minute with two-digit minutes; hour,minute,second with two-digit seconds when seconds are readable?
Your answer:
9,16,29
